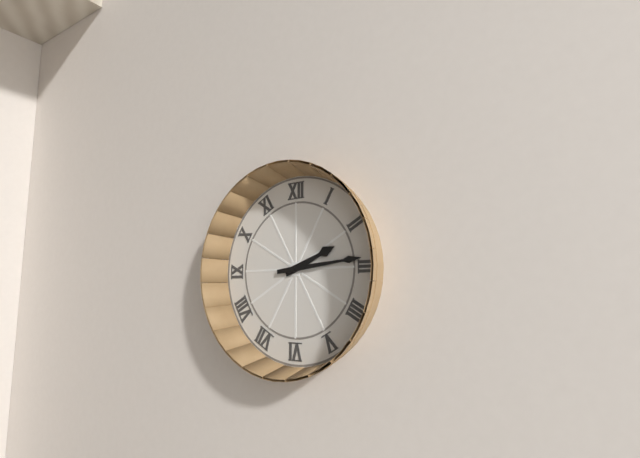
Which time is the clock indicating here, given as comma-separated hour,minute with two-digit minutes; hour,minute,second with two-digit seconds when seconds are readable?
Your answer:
2,14
